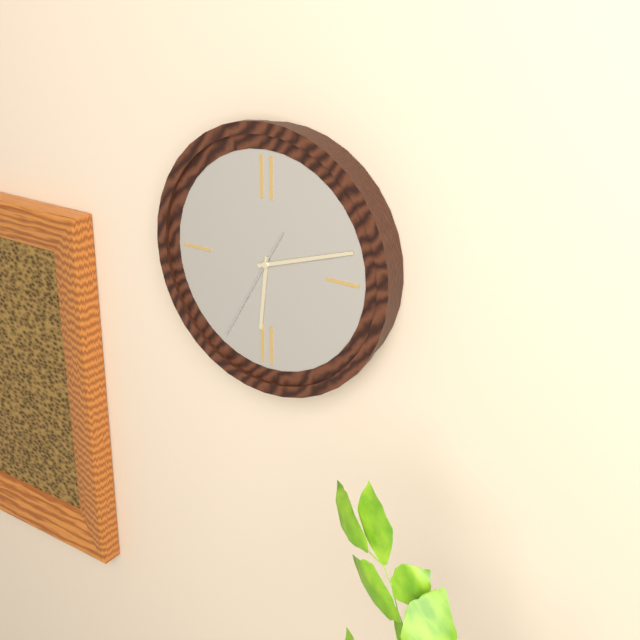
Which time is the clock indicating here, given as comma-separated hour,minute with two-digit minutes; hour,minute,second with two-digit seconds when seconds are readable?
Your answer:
6,12,35
